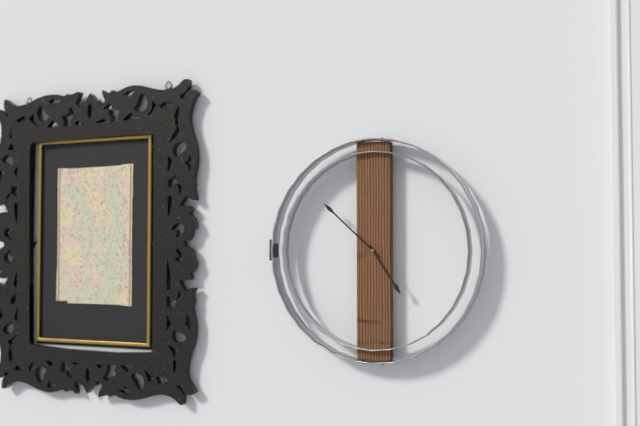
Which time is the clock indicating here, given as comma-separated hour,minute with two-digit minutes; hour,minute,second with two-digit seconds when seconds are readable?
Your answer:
4,52
